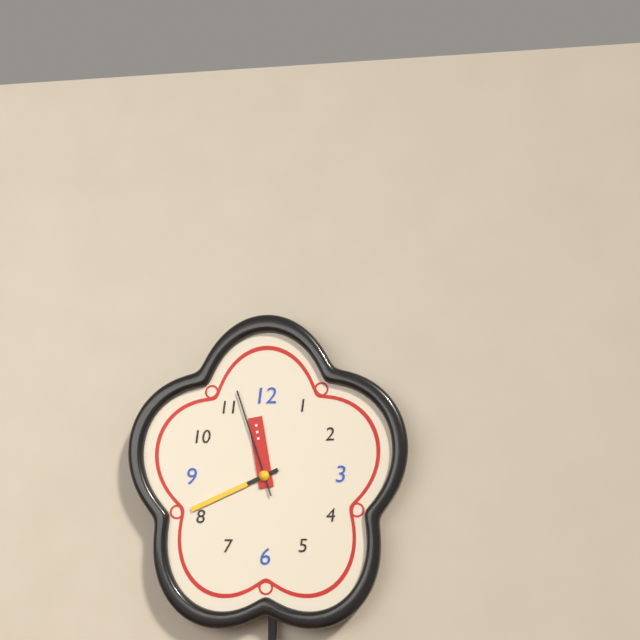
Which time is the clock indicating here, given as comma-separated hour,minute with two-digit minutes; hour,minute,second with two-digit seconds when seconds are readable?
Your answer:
11,41,57
